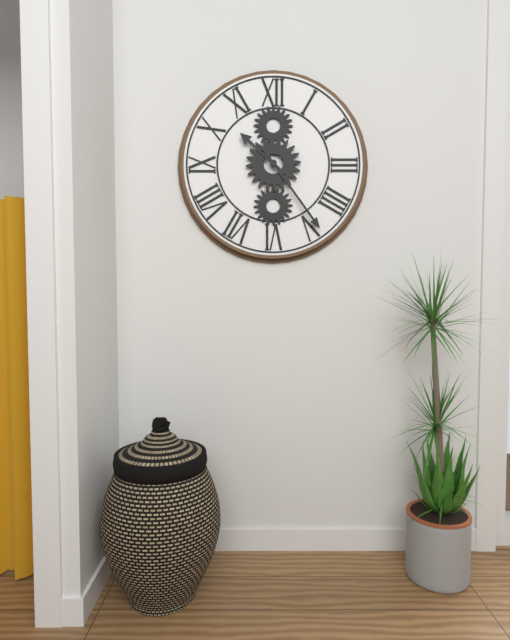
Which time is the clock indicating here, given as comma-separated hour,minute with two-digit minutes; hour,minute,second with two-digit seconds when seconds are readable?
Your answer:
10,24
